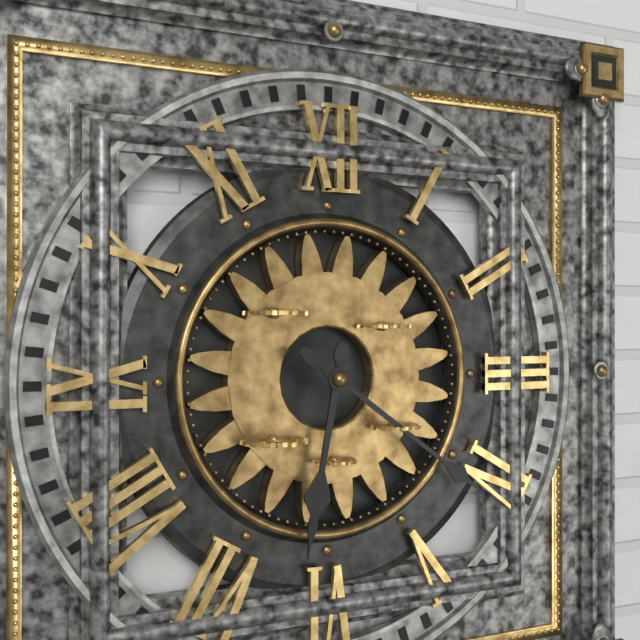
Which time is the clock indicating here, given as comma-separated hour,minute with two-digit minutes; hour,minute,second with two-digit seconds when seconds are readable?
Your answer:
6,21
